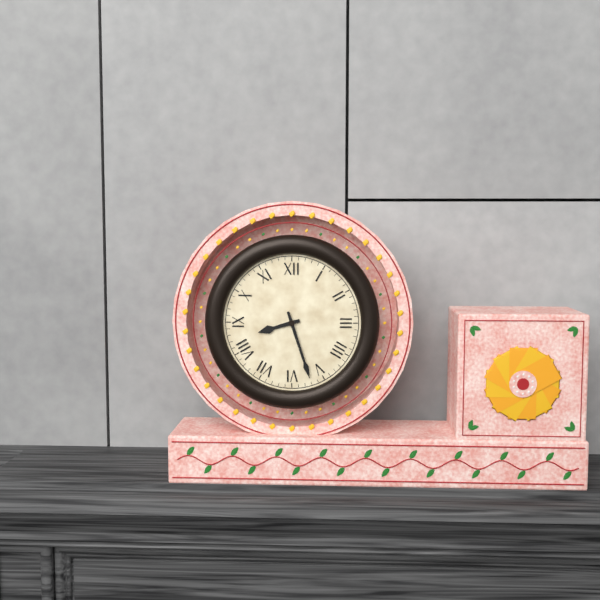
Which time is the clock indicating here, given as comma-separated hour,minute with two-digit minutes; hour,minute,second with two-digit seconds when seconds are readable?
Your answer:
8,27
